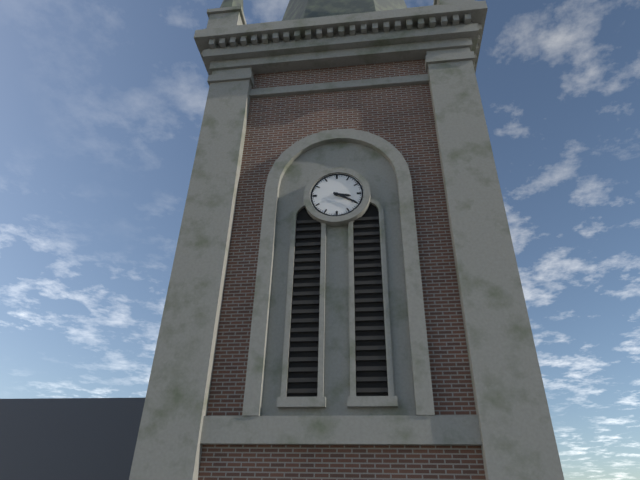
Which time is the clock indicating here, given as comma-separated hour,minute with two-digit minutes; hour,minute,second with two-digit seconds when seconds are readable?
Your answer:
3,20
